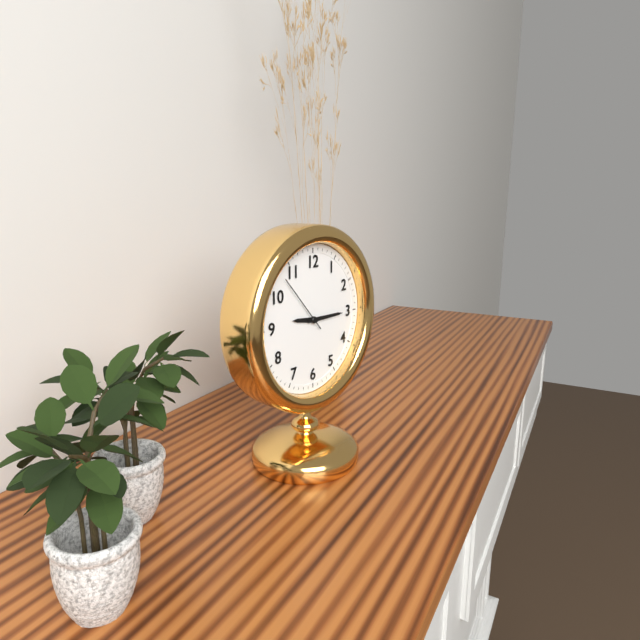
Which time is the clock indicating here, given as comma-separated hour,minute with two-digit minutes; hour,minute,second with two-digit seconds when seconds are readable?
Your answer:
9,15,53
